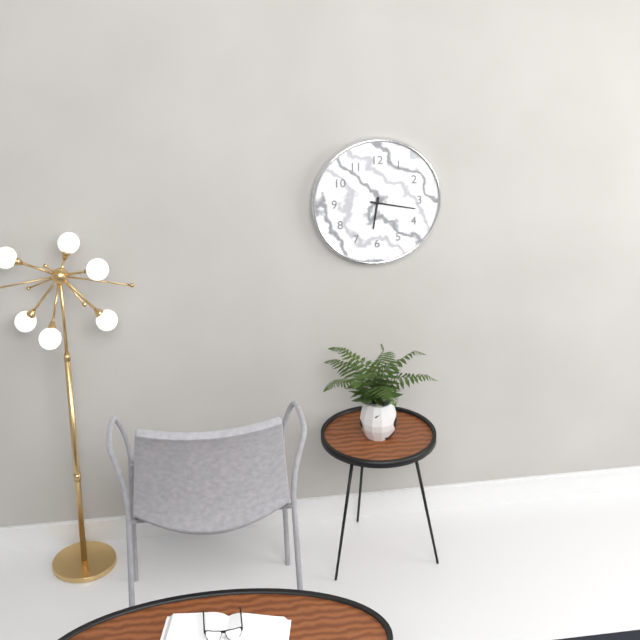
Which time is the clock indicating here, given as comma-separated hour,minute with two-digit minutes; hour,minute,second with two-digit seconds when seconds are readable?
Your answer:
6,17
